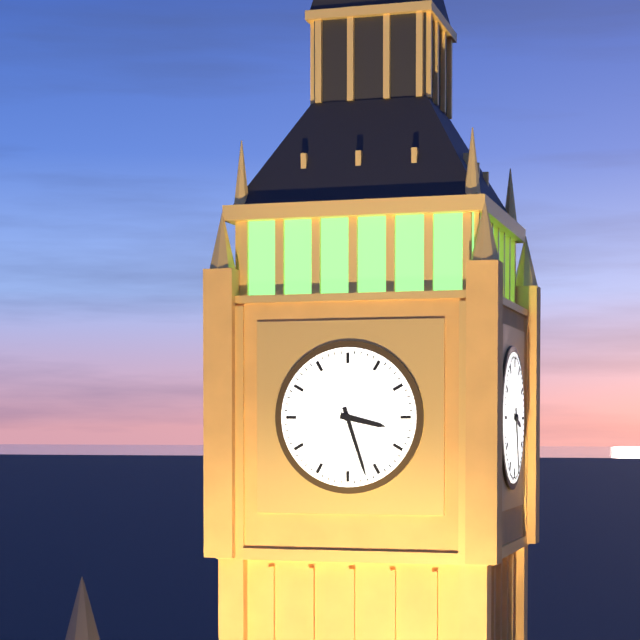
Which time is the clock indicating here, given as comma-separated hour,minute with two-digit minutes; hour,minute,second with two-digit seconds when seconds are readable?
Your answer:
3,27
